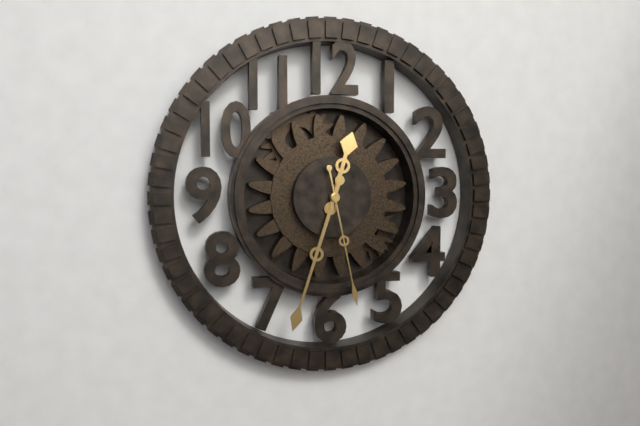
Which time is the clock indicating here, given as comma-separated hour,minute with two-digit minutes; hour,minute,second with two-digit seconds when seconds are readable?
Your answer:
12,33,28
